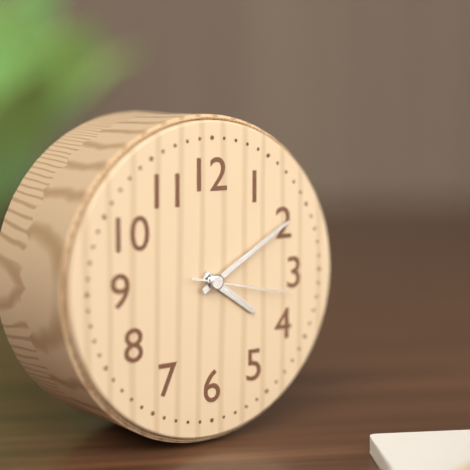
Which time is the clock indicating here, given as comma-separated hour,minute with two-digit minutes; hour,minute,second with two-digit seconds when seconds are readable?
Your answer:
4,10,17
